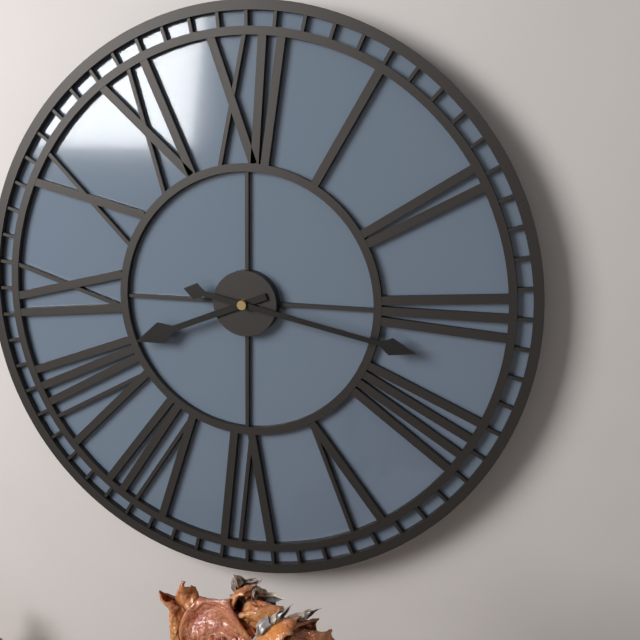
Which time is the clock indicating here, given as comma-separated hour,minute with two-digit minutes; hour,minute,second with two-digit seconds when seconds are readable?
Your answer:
8,17
